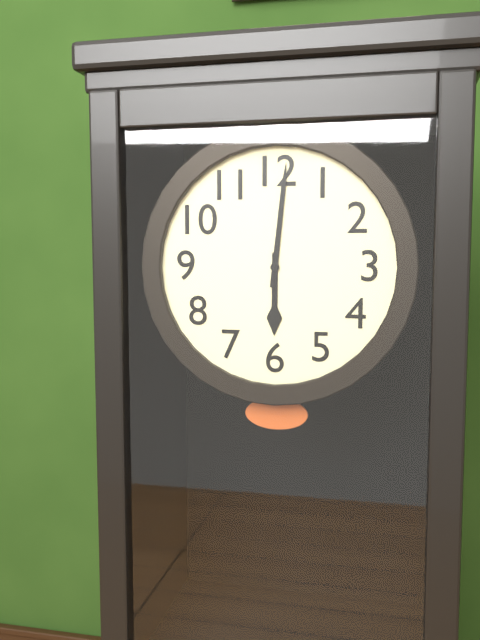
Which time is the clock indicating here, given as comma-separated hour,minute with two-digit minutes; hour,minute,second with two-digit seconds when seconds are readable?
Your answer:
6,01
